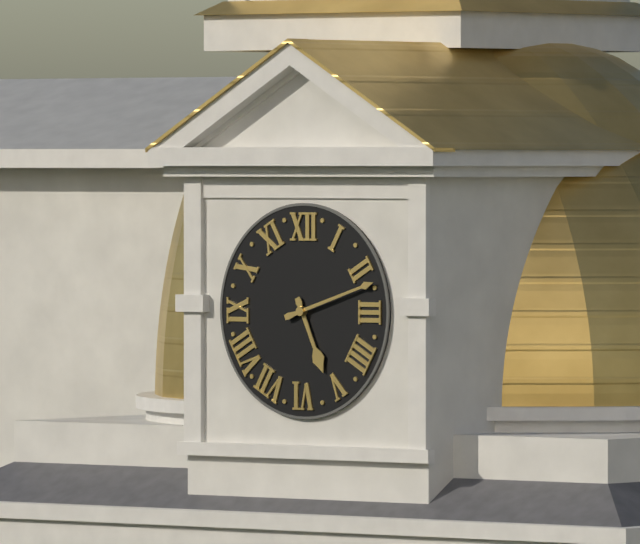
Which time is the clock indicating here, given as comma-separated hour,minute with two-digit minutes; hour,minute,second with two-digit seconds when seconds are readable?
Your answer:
5,12
